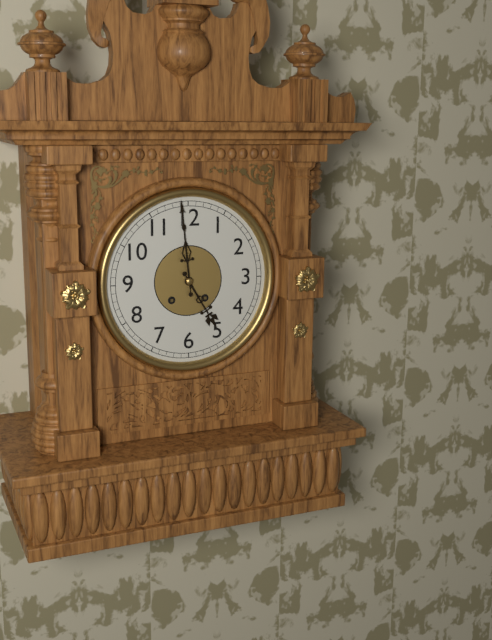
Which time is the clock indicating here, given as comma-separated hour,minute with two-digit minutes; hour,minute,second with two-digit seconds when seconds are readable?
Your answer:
4,59
